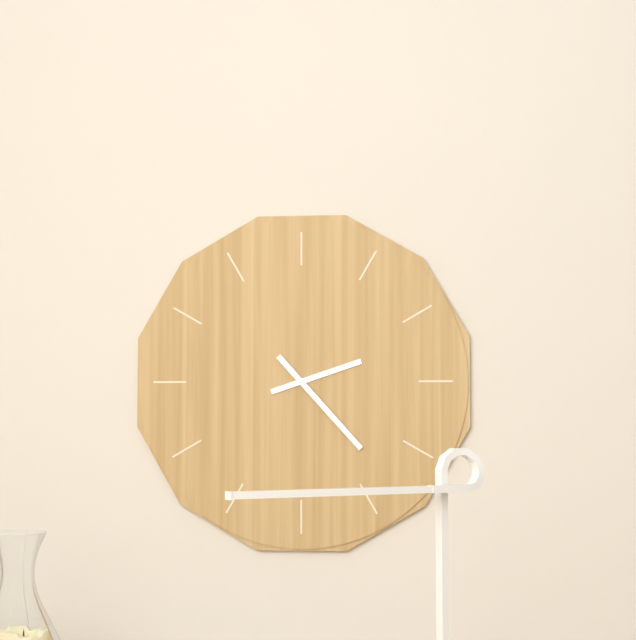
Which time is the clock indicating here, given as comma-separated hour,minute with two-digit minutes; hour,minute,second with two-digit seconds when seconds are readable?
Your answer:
2,23
